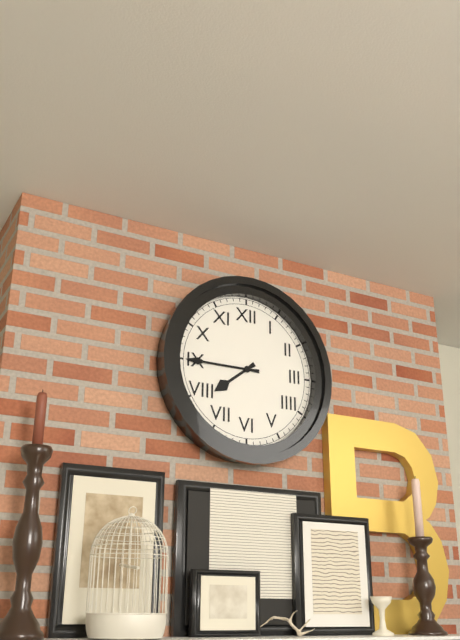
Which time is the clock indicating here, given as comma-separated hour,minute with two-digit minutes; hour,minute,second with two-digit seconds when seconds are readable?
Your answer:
7,45
